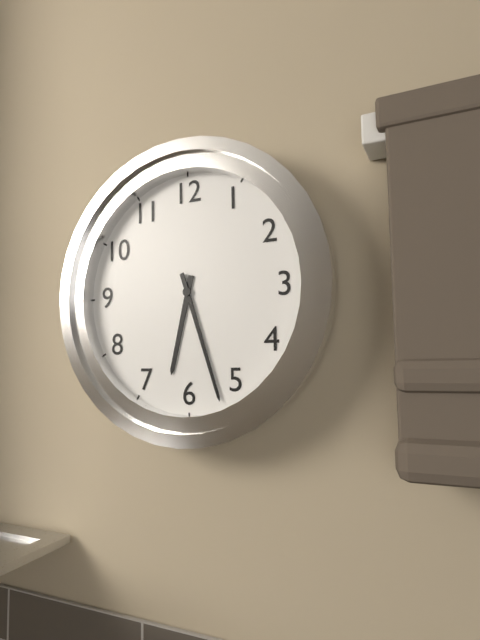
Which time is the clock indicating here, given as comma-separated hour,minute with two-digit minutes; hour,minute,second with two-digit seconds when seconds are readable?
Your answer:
6,27
